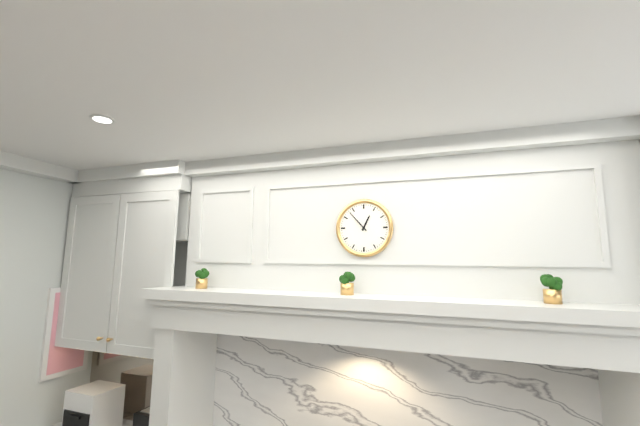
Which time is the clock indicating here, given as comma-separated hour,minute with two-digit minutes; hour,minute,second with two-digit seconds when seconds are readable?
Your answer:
12,53
